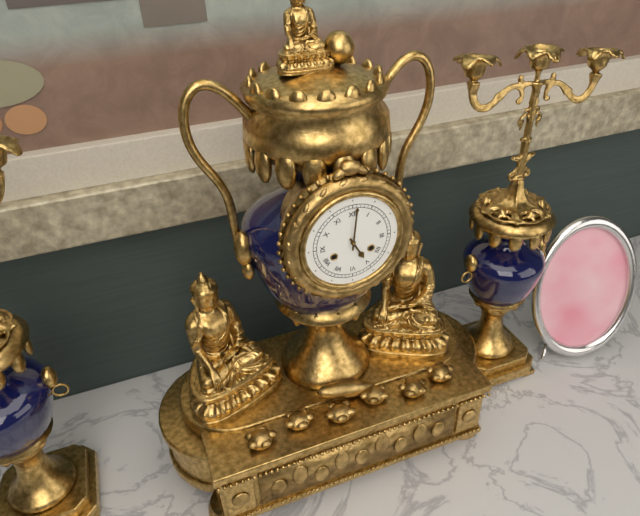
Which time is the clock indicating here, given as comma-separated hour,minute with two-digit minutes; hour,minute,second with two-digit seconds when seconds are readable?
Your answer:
5,01
